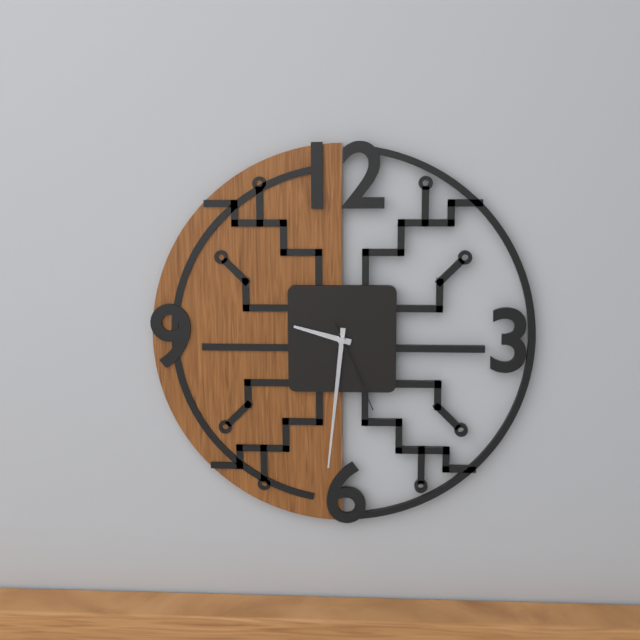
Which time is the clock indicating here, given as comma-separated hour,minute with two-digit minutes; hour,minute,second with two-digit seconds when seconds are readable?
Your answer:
9,31,26
